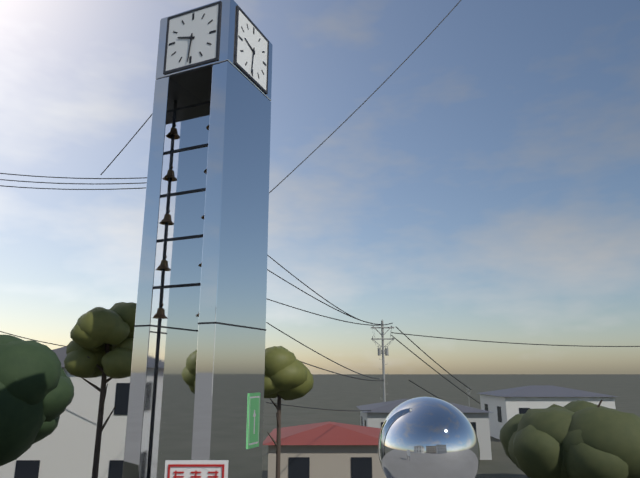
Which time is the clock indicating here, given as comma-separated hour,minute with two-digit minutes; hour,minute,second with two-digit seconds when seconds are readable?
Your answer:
9,31
